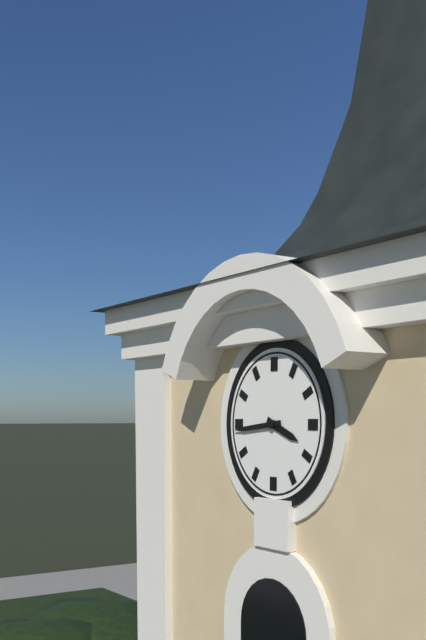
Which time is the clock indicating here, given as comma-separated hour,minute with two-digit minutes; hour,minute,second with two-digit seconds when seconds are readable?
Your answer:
3,44
